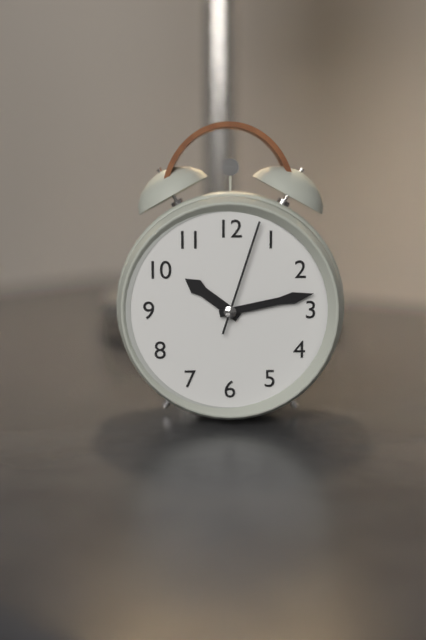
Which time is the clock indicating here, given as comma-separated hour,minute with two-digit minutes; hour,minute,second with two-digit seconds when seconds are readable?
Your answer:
10,13,03
